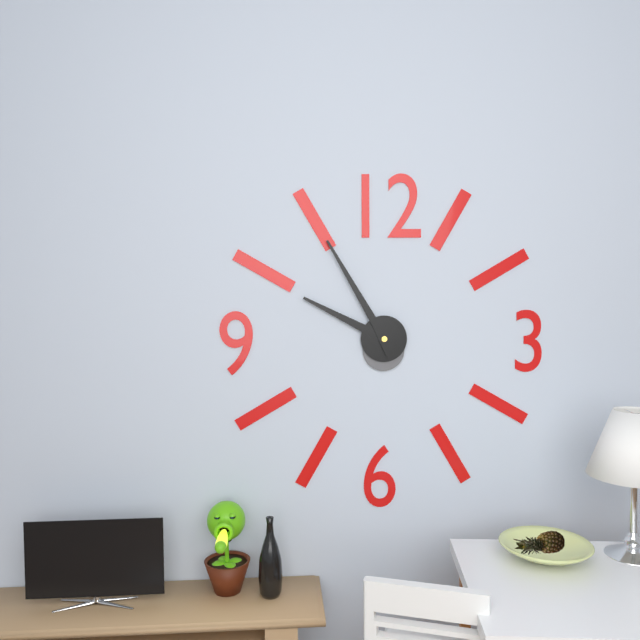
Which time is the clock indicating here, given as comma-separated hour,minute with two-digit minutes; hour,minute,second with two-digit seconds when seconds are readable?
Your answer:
9,55
